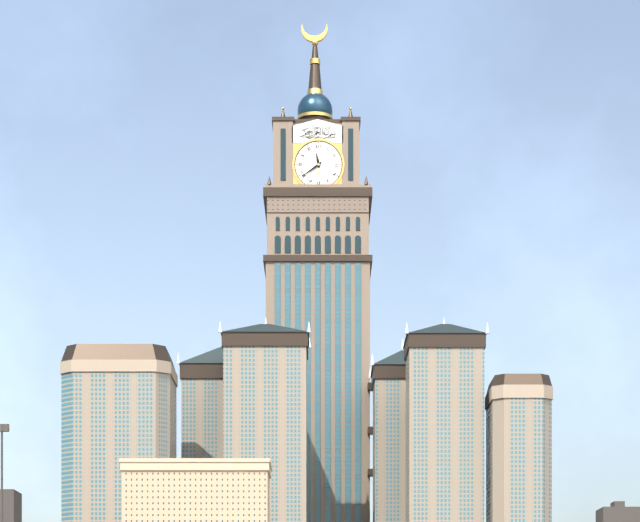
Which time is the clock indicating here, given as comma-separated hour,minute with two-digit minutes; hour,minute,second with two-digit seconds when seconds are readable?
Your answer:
11,39
